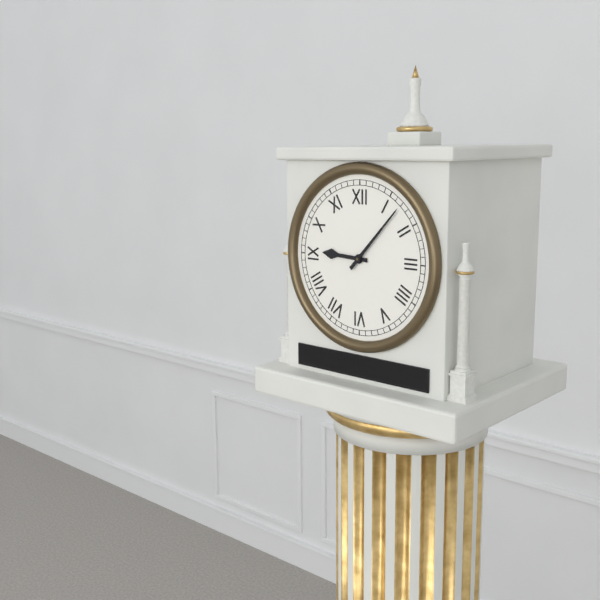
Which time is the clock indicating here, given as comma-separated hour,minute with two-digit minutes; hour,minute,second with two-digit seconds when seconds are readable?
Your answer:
9,07
